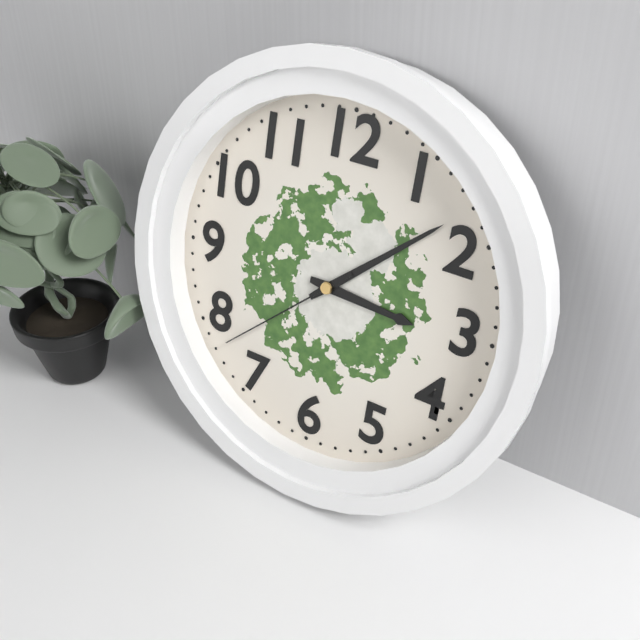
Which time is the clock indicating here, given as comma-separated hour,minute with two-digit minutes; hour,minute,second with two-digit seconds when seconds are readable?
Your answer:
3,08,38
